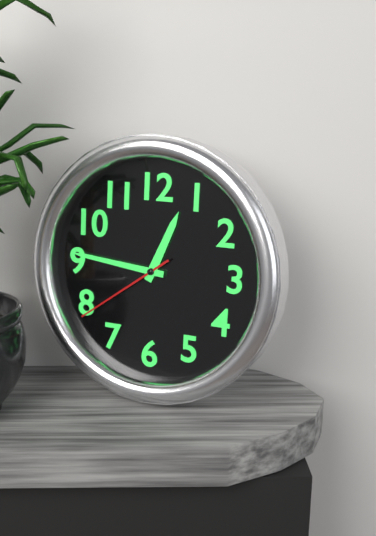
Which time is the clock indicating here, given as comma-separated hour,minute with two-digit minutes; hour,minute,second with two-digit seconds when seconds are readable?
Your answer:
12,46,39
